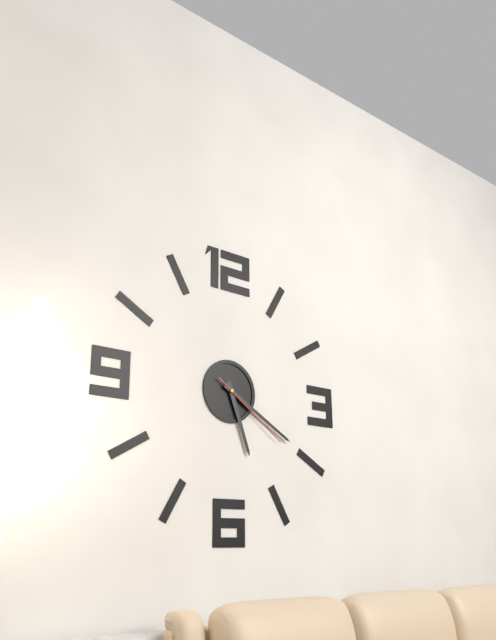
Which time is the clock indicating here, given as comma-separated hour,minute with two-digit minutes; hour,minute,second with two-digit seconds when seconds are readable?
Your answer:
5,20,21
